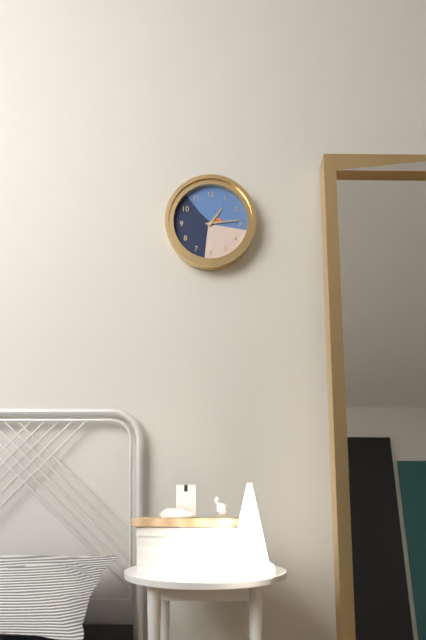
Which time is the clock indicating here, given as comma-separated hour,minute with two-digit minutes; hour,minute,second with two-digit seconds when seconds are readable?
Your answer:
1,14
